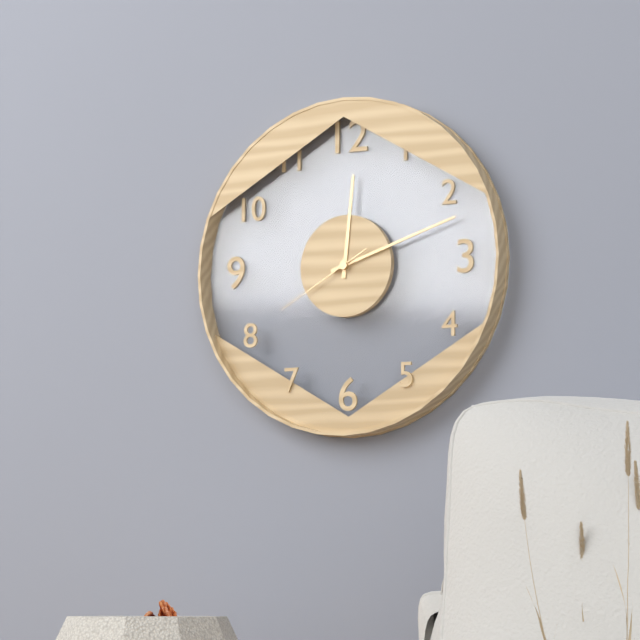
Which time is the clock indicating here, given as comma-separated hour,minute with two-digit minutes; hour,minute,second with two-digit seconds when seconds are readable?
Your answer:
12,12,40
